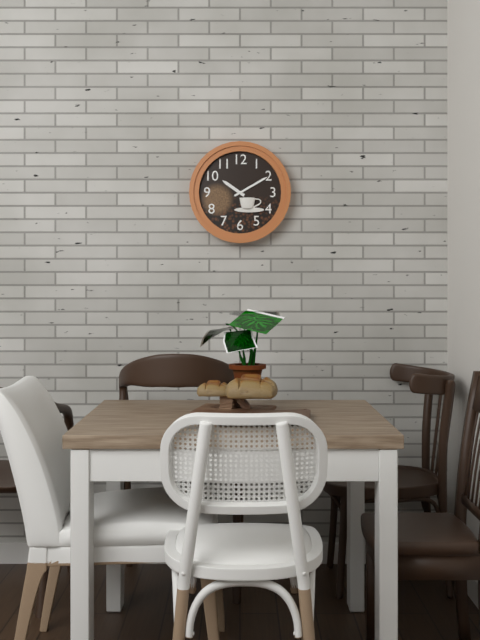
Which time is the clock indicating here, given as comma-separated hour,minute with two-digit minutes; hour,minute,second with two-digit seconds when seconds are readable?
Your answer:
10,10
